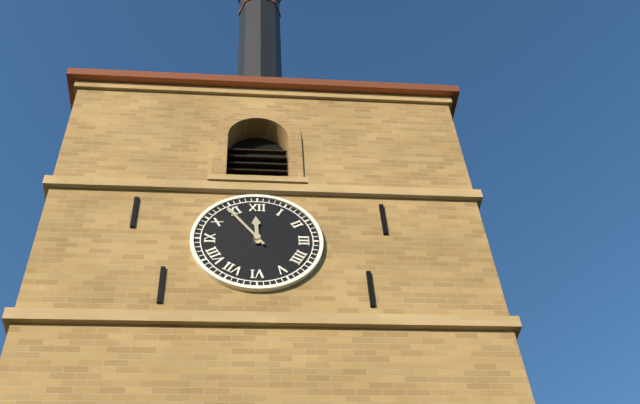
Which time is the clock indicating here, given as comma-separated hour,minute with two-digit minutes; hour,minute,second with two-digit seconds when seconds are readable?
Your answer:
11,54
